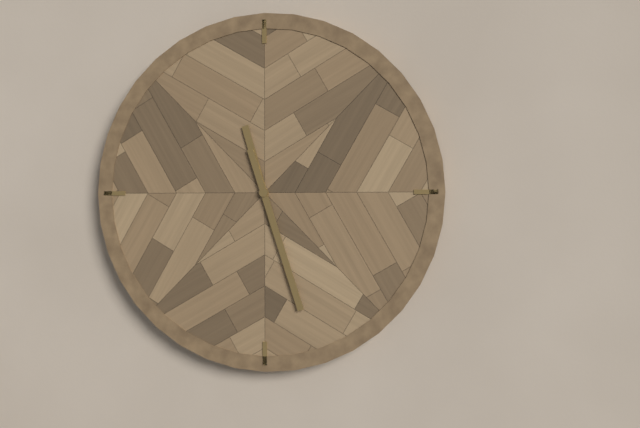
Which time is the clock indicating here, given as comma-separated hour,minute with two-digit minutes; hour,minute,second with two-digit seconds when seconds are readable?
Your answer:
11,27
